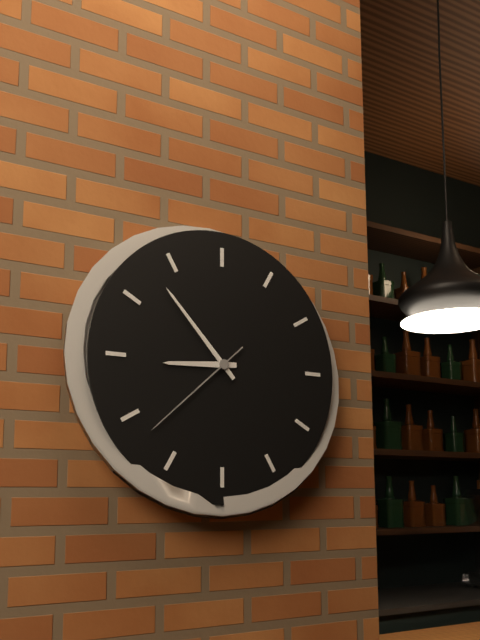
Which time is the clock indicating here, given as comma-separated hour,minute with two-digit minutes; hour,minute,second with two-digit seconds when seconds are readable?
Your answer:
8,53,38
